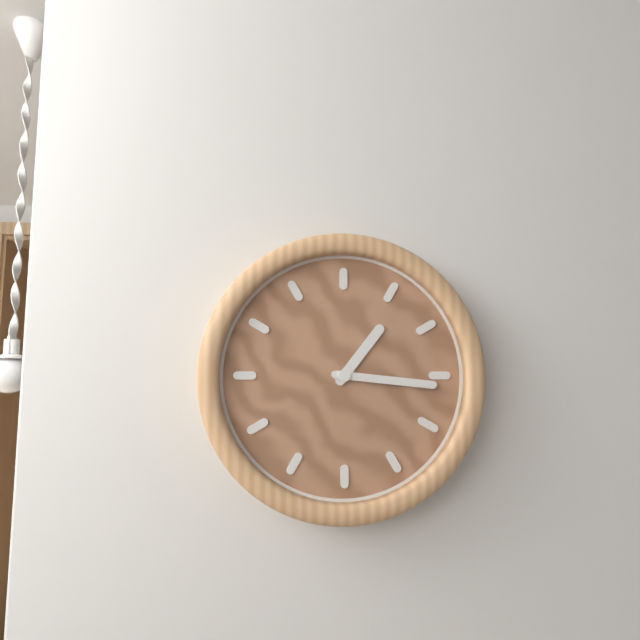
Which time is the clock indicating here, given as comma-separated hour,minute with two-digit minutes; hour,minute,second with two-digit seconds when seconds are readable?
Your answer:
1,16
